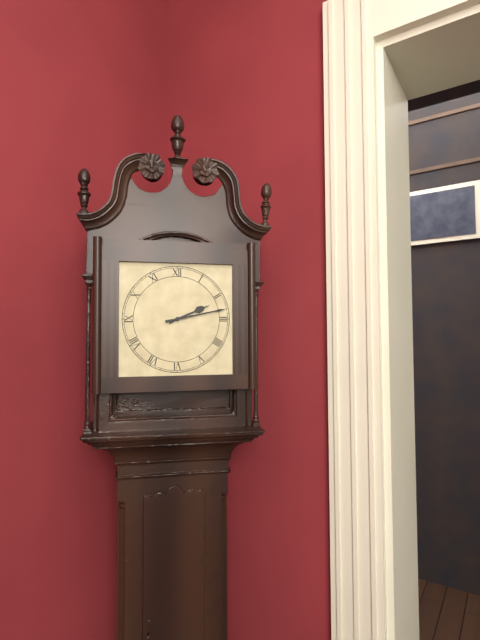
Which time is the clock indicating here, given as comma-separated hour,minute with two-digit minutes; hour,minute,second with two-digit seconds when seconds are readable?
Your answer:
2,13
